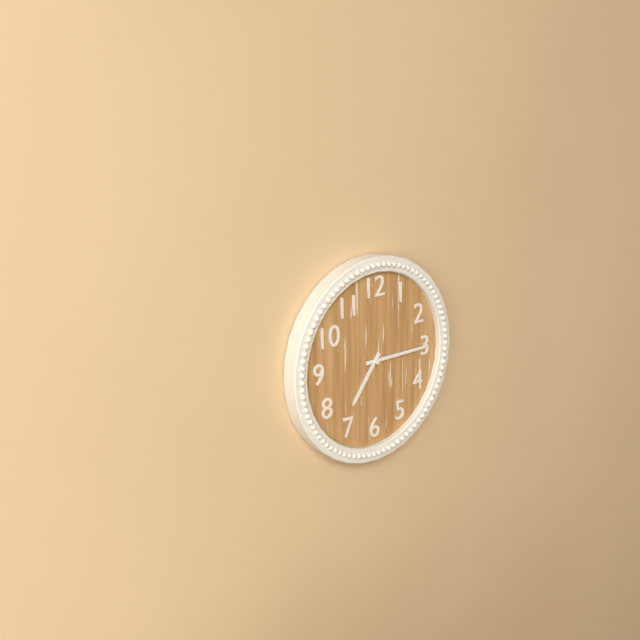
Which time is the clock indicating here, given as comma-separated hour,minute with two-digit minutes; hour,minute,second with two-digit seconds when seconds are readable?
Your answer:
7,15
